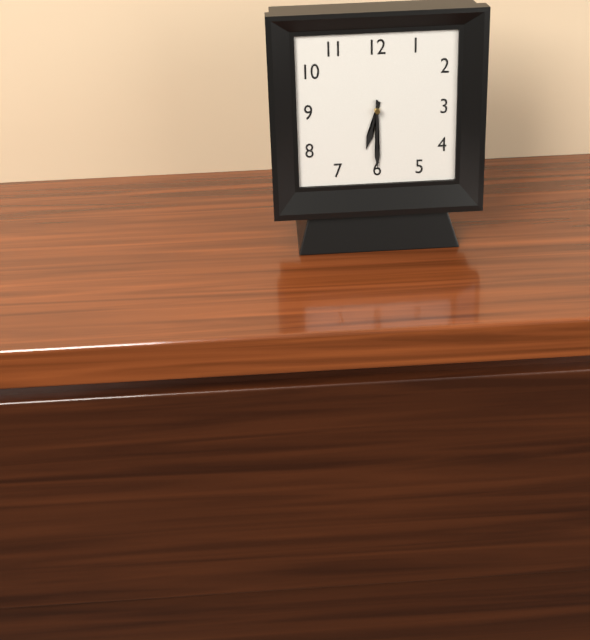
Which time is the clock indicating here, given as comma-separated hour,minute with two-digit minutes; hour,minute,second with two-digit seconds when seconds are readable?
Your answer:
6,30
